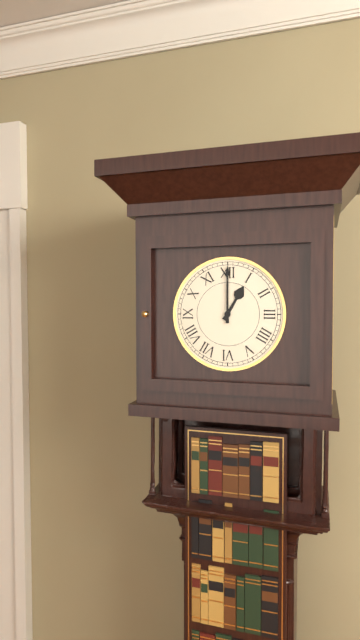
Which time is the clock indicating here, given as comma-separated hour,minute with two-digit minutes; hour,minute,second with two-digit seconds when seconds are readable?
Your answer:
1,00
